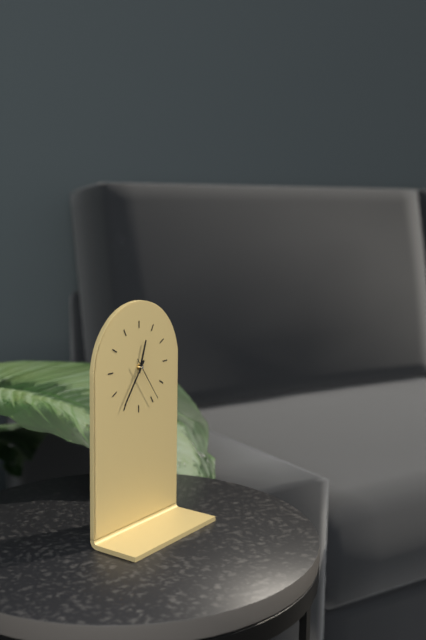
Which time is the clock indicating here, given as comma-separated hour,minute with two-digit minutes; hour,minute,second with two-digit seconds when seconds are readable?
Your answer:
12,36
